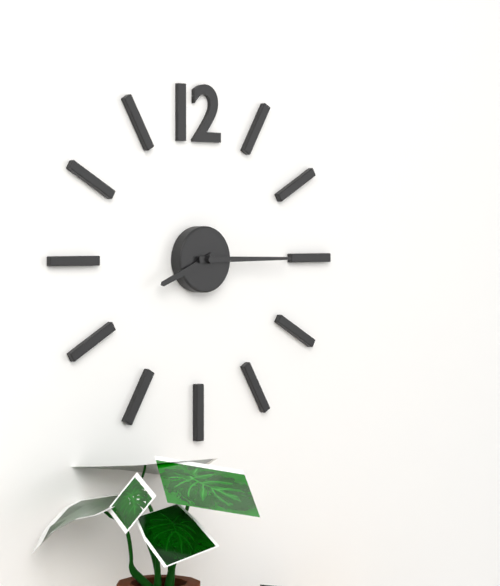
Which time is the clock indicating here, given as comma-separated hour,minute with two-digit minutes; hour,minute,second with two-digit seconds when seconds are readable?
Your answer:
8,15
